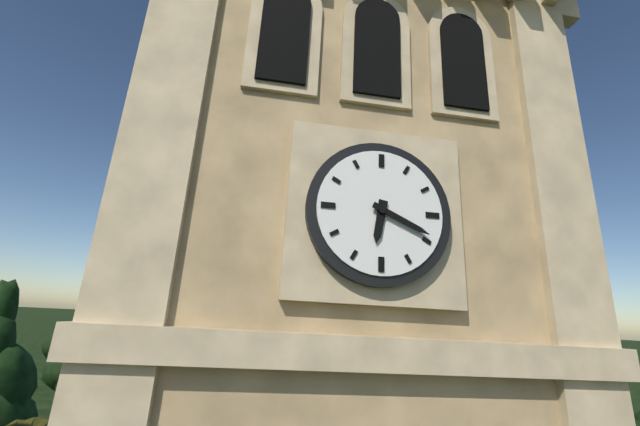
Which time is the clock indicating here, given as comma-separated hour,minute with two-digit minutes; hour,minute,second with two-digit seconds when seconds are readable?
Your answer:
6,19
